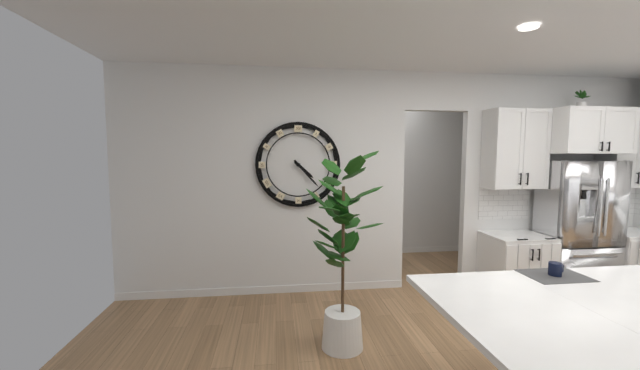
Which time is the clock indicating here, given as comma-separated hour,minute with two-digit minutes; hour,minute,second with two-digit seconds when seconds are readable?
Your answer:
4,23
